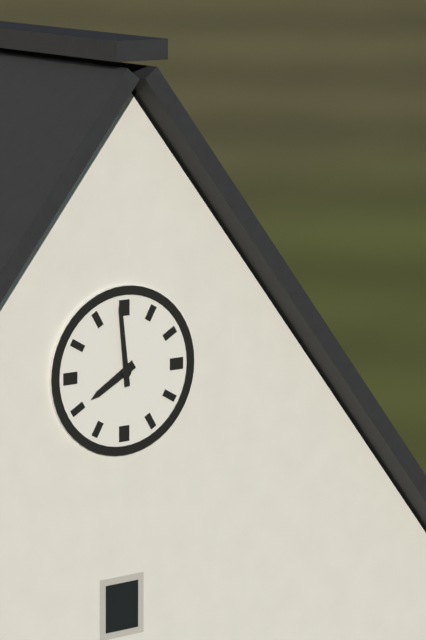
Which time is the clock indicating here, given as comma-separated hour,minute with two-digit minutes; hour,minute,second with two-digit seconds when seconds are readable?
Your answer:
7,59
